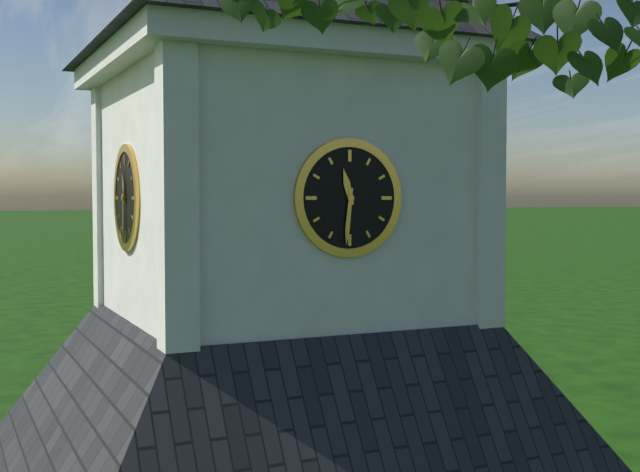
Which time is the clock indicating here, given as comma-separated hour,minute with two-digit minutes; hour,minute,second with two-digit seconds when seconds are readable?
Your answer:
11,31
